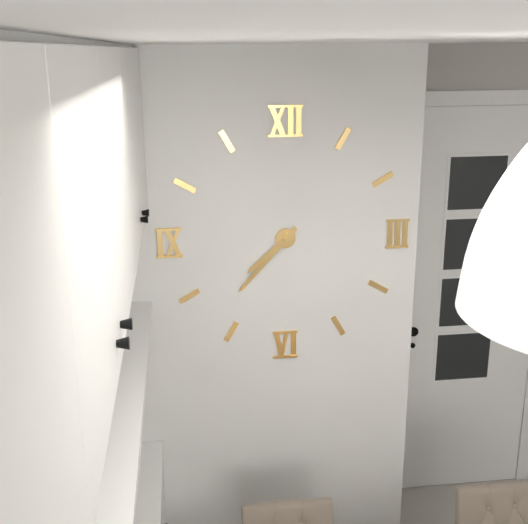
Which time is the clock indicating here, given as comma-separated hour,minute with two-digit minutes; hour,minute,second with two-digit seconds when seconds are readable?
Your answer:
7,37
